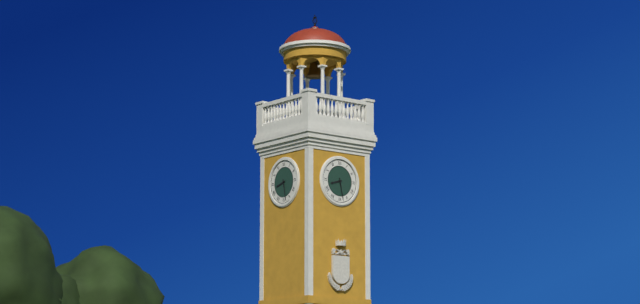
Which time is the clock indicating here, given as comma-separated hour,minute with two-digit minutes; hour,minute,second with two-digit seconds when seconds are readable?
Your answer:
8,28
